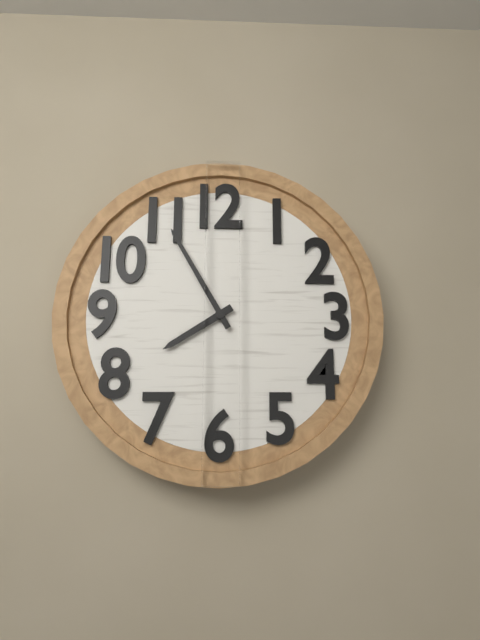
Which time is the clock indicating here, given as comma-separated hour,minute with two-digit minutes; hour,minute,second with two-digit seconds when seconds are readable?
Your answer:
7,55
